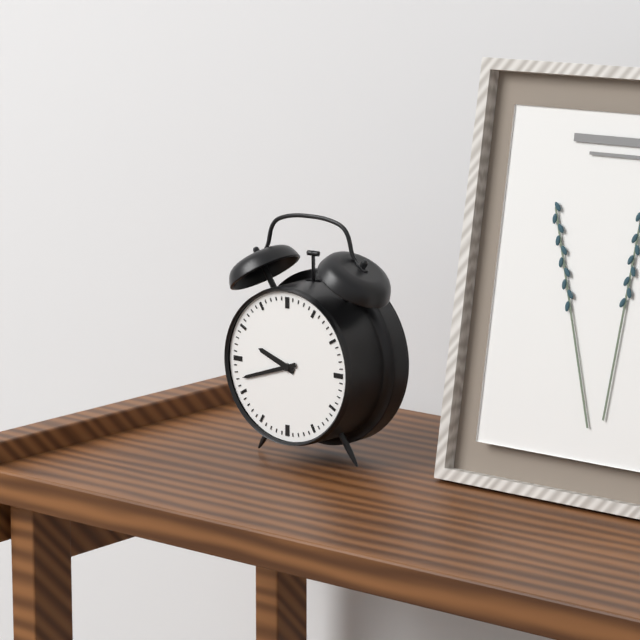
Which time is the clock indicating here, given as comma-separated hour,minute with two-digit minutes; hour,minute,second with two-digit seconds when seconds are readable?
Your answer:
9,42
